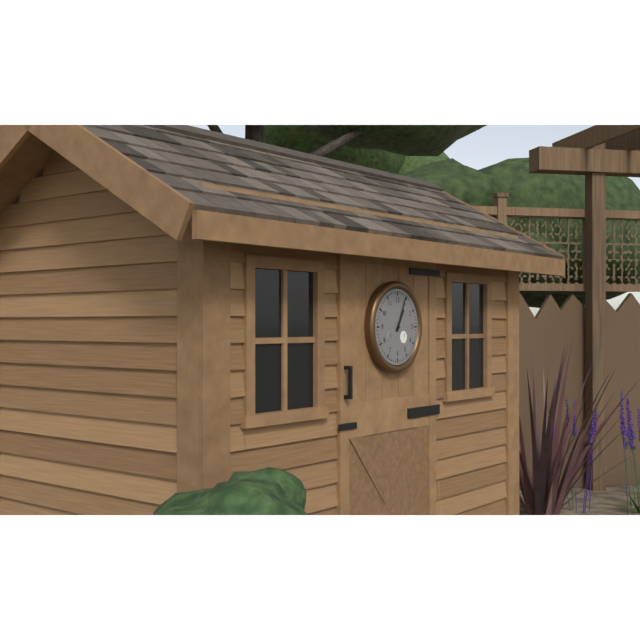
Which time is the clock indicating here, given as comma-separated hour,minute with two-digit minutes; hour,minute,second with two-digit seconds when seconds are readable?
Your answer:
1,04
